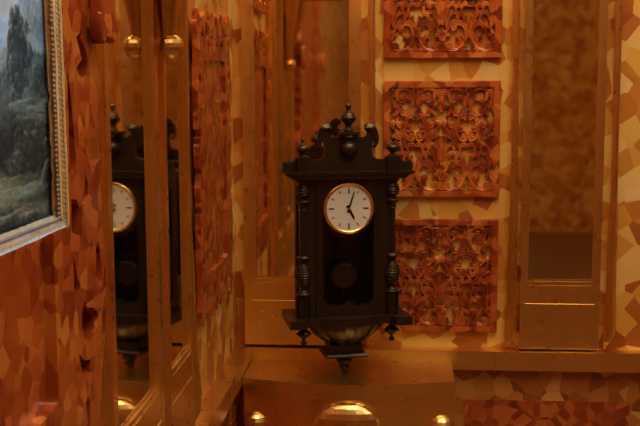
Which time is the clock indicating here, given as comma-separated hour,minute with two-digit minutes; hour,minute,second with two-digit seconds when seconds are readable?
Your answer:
5,03
